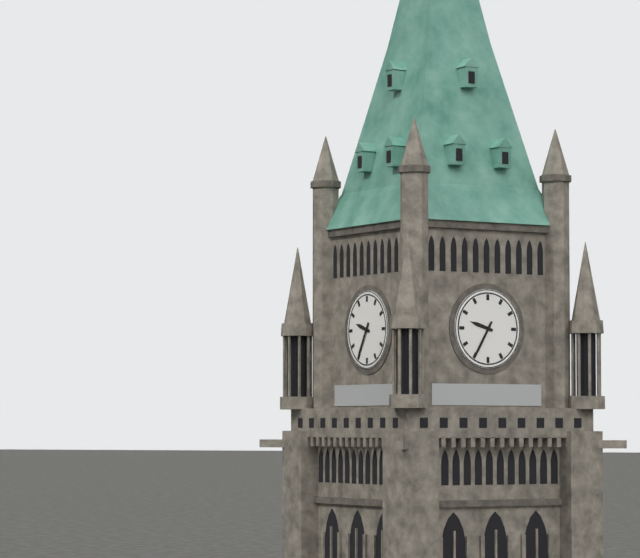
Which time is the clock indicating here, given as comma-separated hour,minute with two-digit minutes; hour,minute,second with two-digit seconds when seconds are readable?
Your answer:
9,35
